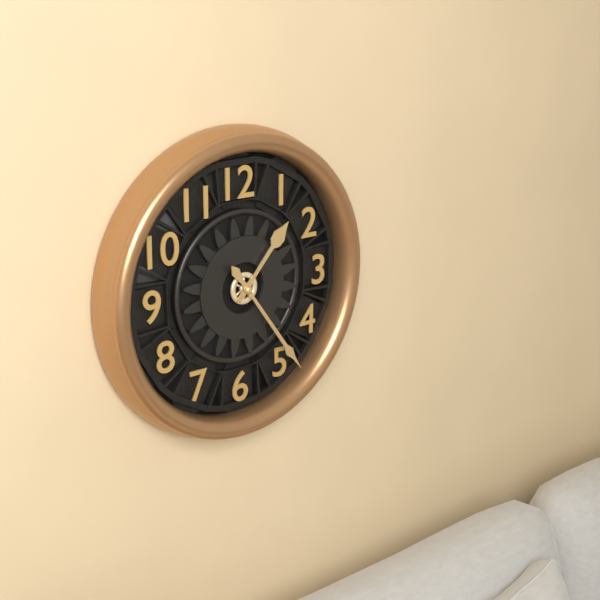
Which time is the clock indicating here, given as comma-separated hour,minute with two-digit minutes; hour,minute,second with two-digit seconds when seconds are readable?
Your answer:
1,24
